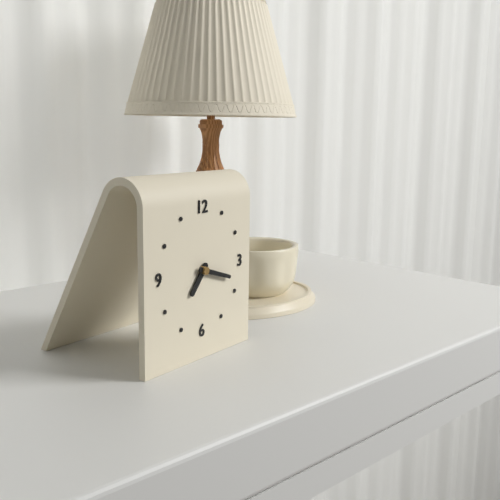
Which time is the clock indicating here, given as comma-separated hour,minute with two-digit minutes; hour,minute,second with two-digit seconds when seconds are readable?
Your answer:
7,18
